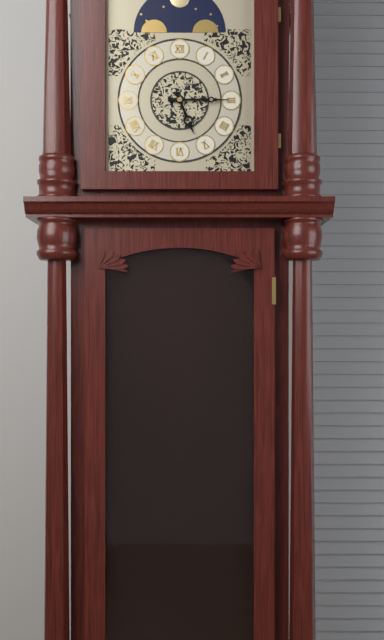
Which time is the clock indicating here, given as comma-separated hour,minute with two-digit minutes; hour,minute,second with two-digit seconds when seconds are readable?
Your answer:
5,15
